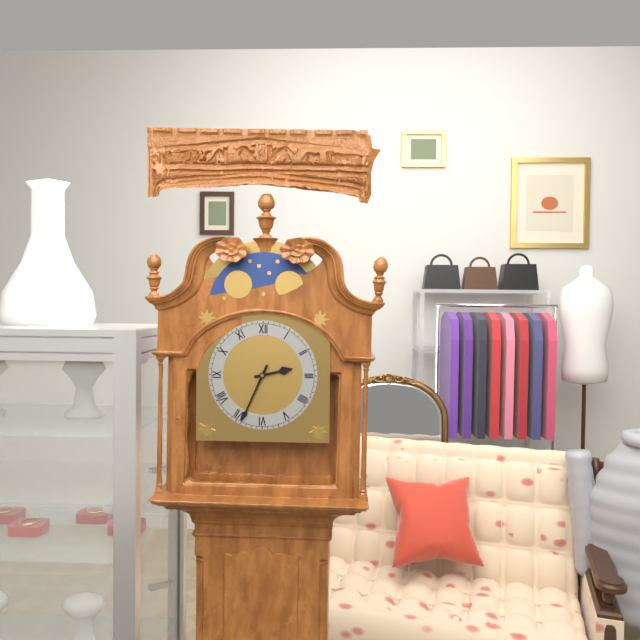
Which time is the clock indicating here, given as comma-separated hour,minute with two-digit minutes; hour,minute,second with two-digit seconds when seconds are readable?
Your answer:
2,34
